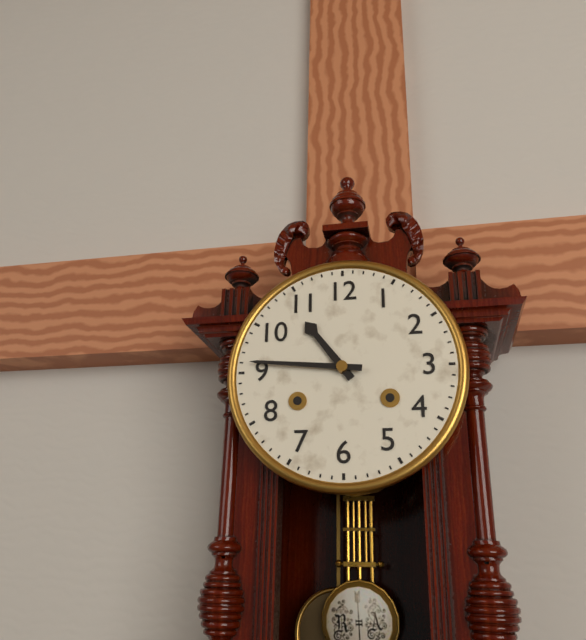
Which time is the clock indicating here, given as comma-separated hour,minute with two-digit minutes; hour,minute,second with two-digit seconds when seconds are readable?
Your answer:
10,46
